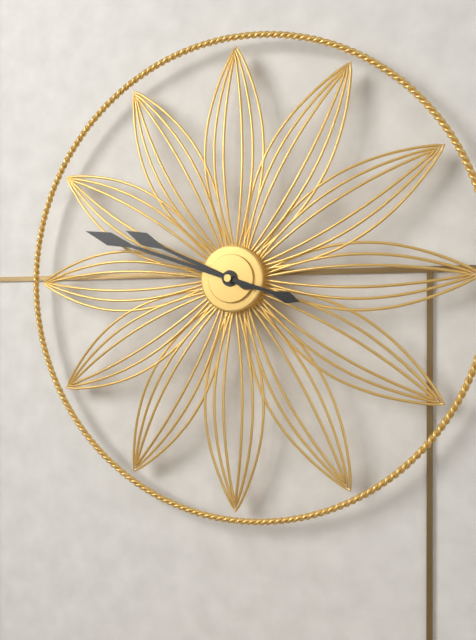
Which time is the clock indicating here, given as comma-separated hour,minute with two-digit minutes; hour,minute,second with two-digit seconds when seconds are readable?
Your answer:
9,48
